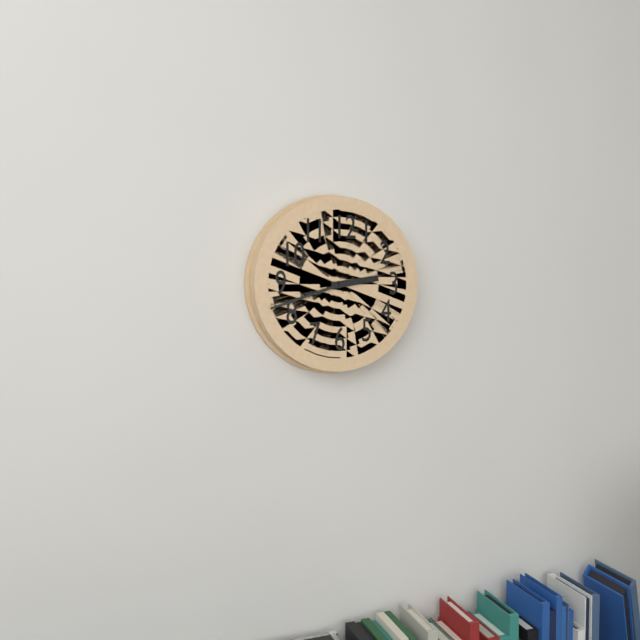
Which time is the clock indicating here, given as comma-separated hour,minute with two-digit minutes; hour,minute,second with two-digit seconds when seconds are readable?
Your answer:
2,42
